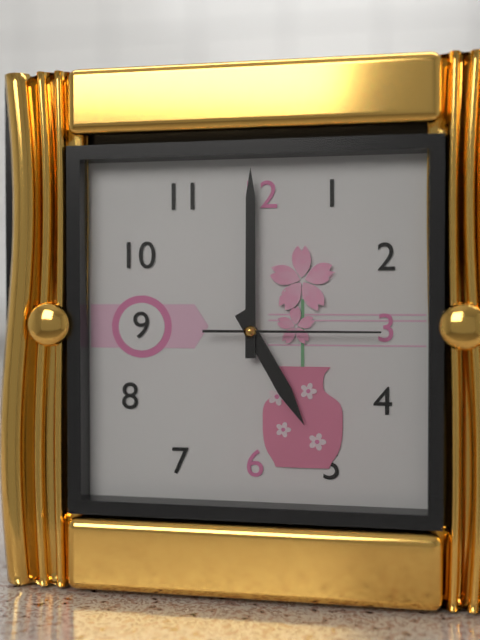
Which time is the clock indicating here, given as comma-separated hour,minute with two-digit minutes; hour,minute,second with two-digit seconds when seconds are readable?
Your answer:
5,00,15
